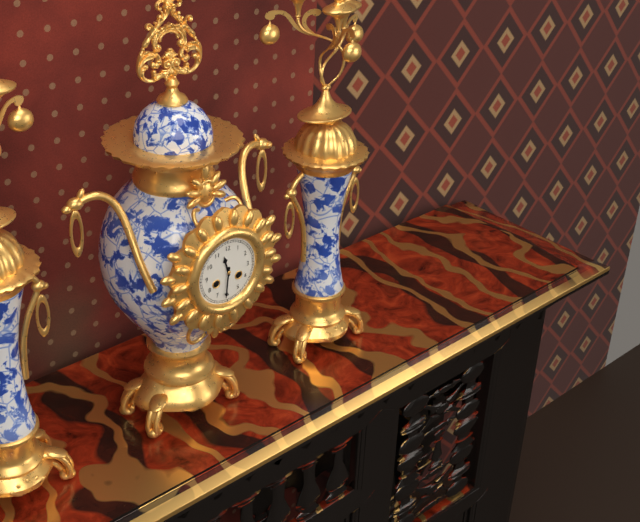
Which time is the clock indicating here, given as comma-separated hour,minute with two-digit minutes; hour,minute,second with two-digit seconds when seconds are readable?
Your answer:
11,31
